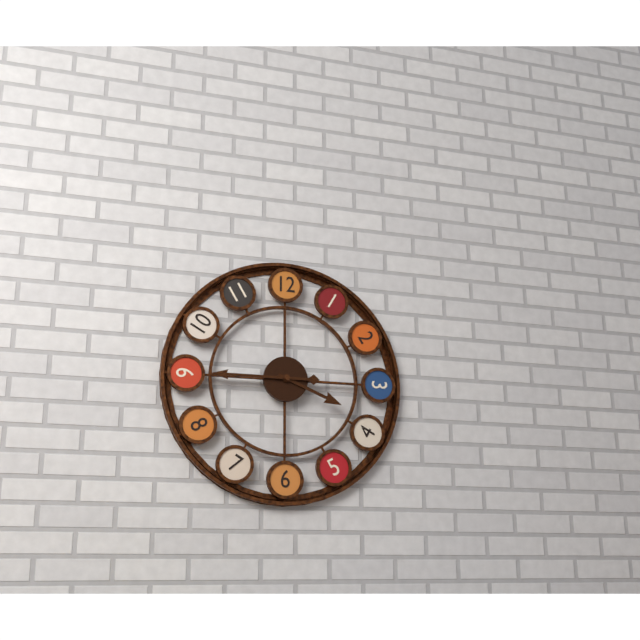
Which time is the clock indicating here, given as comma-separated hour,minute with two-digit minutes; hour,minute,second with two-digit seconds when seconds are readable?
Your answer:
3,45
